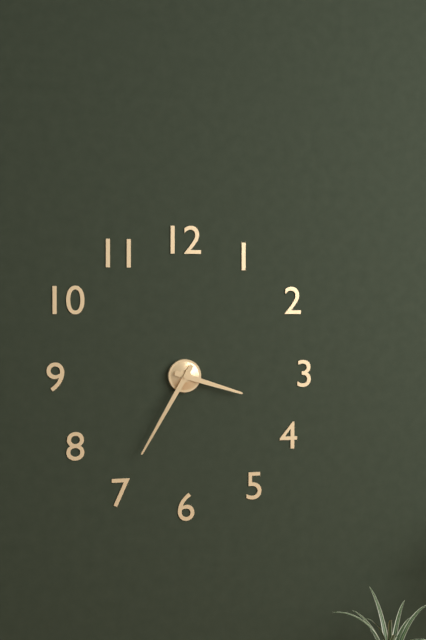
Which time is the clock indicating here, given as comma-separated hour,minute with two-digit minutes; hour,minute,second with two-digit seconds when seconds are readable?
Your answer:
3,35
